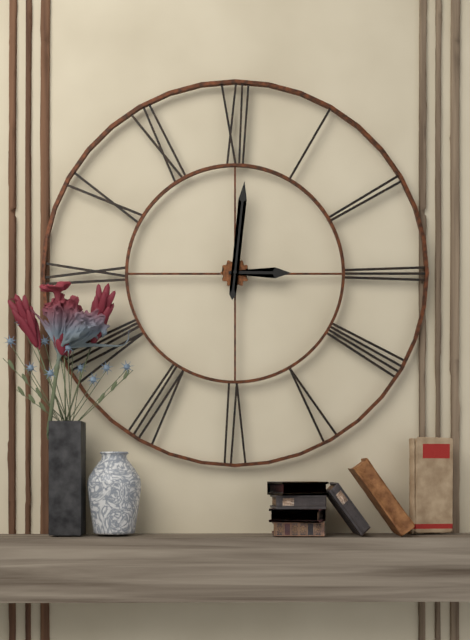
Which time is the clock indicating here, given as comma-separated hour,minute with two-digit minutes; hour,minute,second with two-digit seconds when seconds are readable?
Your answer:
3,01
